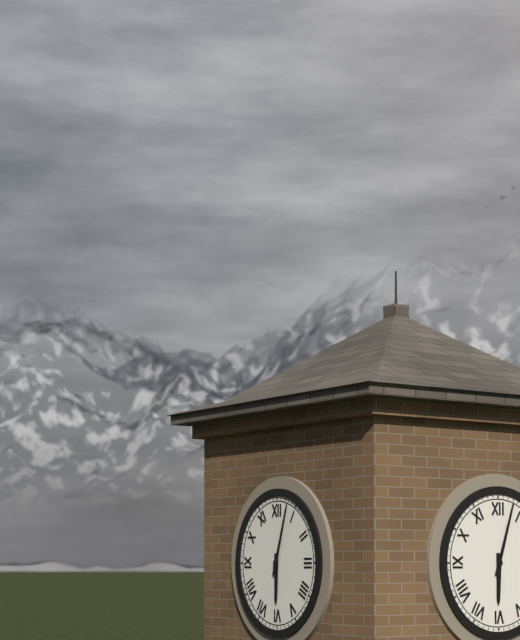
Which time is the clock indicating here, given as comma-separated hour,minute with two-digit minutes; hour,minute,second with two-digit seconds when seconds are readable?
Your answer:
6,03
